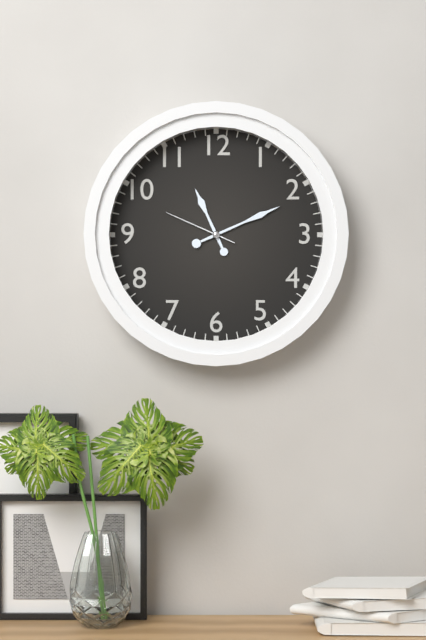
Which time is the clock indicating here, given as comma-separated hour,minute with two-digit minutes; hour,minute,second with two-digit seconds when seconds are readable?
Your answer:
11,11,49
